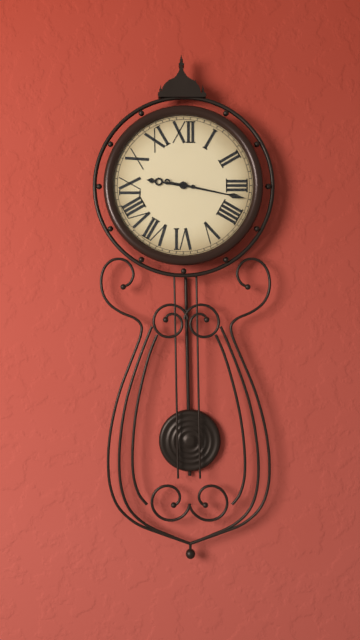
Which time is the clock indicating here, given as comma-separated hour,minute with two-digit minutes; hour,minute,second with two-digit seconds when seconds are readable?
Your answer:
9,17
